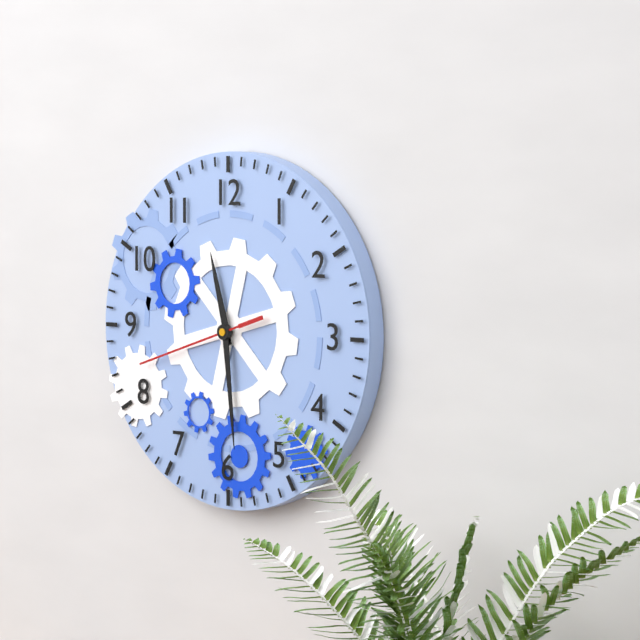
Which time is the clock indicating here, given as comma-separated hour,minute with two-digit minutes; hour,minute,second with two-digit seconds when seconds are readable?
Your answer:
11,29,42
